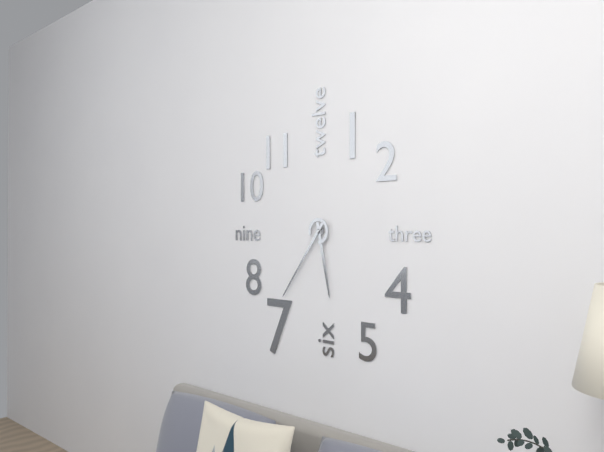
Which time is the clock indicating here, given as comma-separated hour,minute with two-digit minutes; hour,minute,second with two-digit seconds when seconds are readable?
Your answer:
5,36
